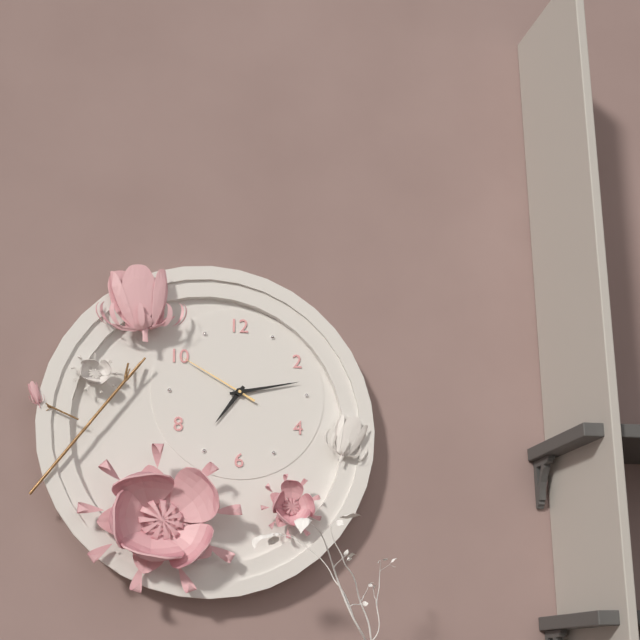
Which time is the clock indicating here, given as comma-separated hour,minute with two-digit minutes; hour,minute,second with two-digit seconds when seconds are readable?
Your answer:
7,13,50
